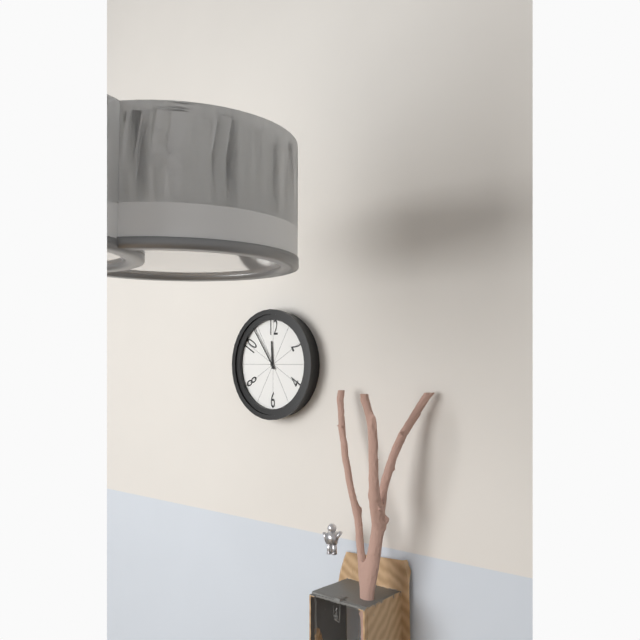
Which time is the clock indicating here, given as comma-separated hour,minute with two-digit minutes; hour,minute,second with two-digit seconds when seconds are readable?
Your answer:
11,54
